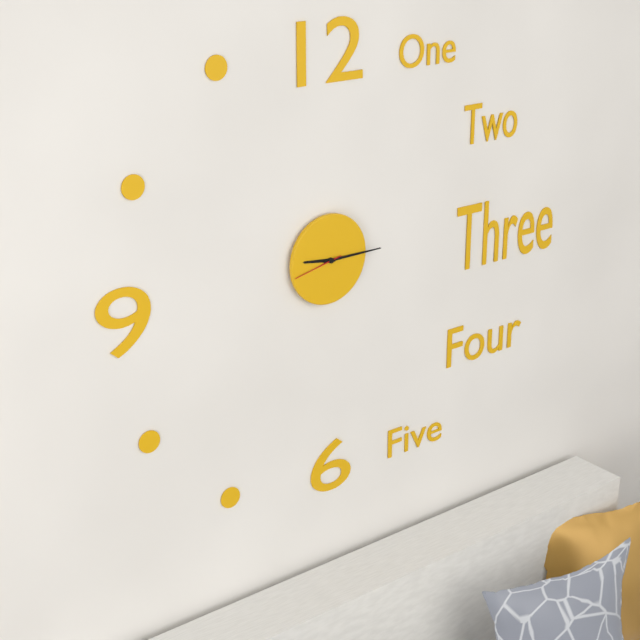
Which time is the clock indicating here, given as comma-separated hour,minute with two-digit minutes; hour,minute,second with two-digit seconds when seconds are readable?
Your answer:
9,15,43
